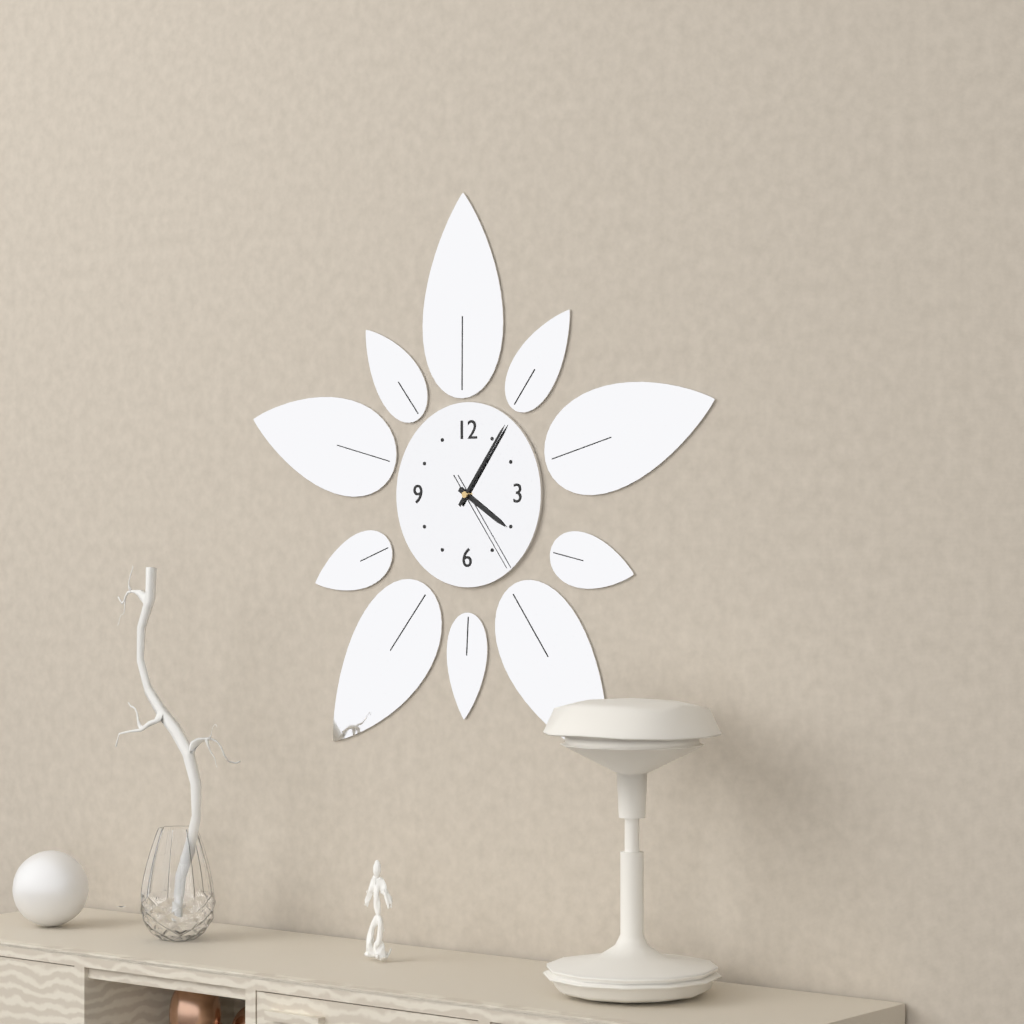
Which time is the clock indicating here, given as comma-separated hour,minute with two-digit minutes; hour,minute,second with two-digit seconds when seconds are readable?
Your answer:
4,06,24
